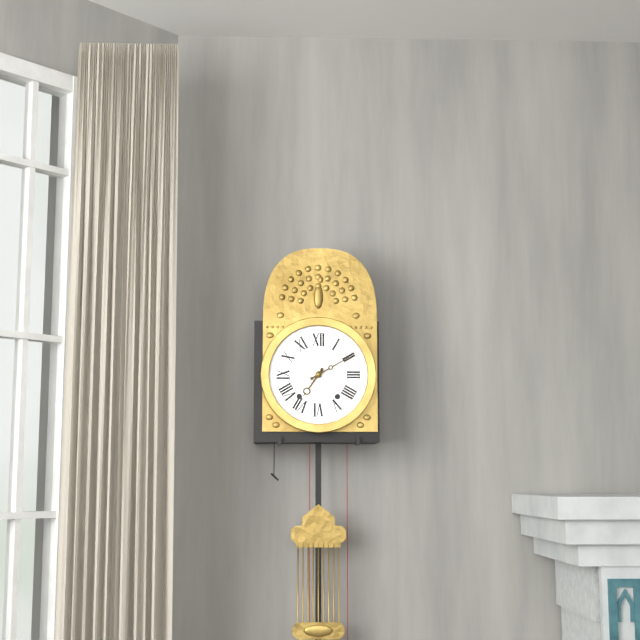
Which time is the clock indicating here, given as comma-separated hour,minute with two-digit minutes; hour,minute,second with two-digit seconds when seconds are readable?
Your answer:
7,10
